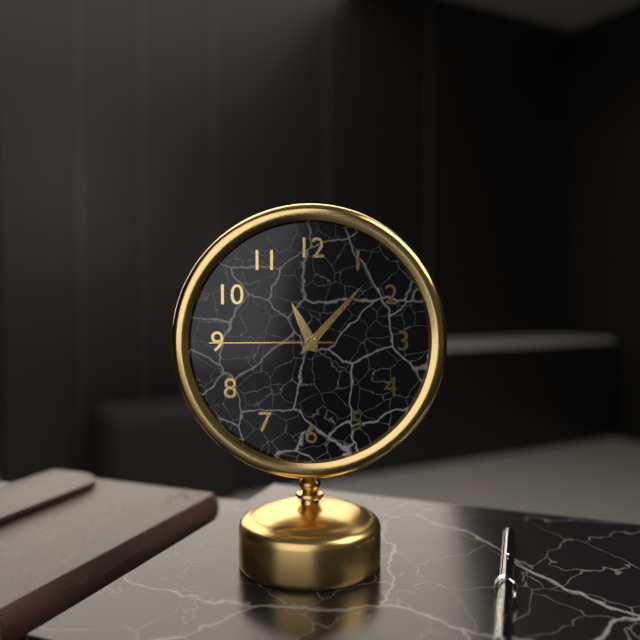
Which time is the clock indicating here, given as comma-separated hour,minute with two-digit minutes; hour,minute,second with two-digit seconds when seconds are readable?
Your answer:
11,07,45
